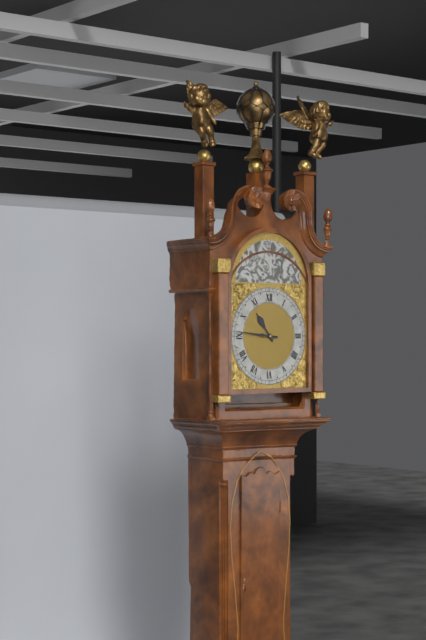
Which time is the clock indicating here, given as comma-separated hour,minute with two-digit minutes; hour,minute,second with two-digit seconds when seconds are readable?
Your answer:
10,46
